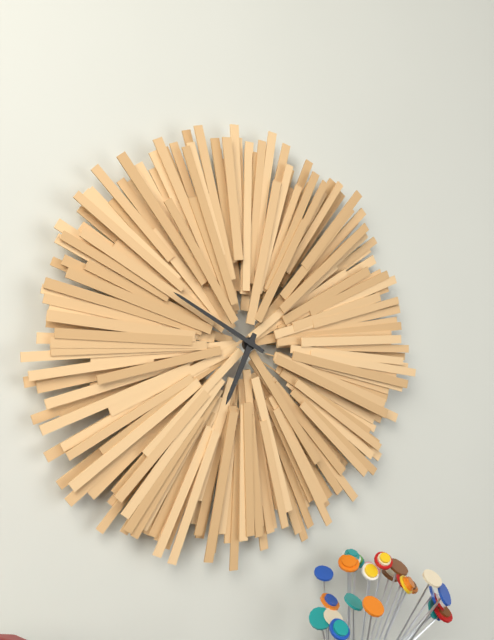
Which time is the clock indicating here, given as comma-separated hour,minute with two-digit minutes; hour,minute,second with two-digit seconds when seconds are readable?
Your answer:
6,50
